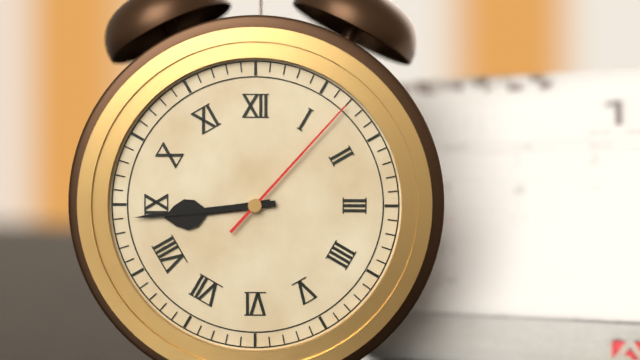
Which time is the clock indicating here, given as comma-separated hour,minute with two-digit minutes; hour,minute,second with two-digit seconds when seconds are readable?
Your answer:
8,44,07
